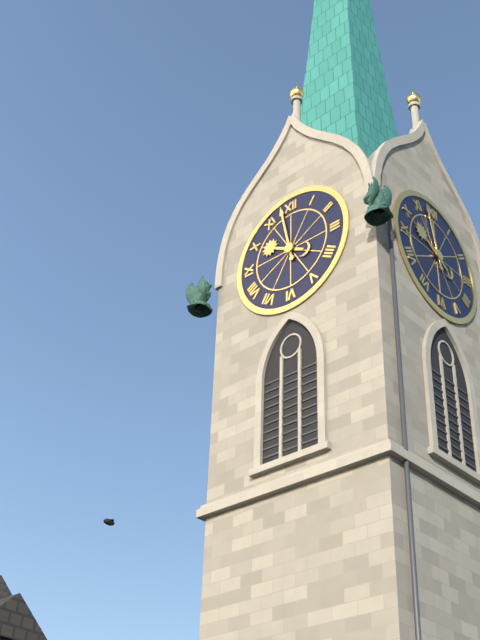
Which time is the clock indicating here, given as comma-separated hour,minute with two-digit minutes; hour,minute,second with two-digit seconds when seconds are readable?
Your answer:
9,58
